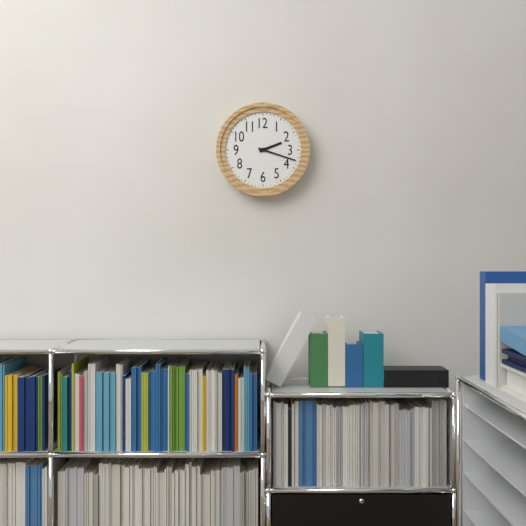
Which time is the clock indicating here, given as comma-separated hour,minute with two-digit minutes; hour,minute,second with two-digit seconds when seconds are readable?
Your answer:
2,18
